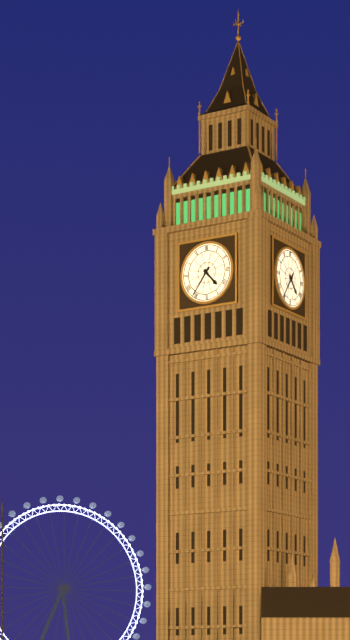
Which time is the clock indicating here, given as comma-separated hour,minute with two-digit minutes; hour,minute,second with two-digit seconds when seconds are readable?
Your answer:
4,36
